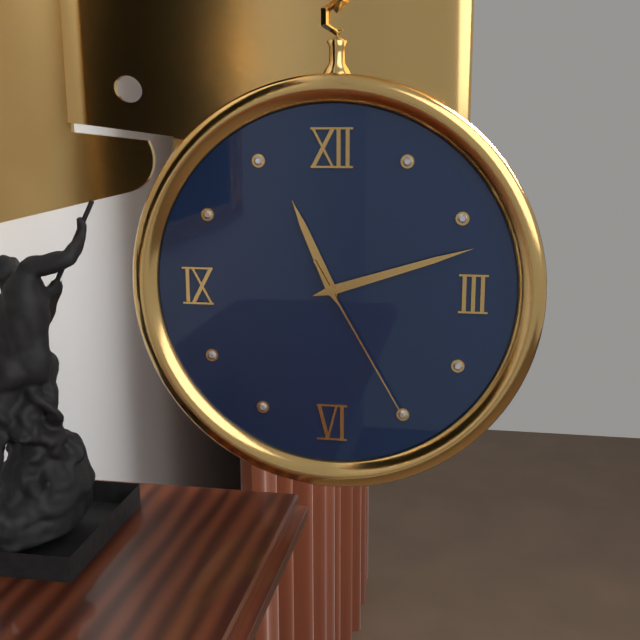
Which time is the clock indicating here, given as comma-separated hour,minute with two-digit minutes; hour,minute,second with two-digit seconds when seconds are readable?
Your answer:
11,12,25
